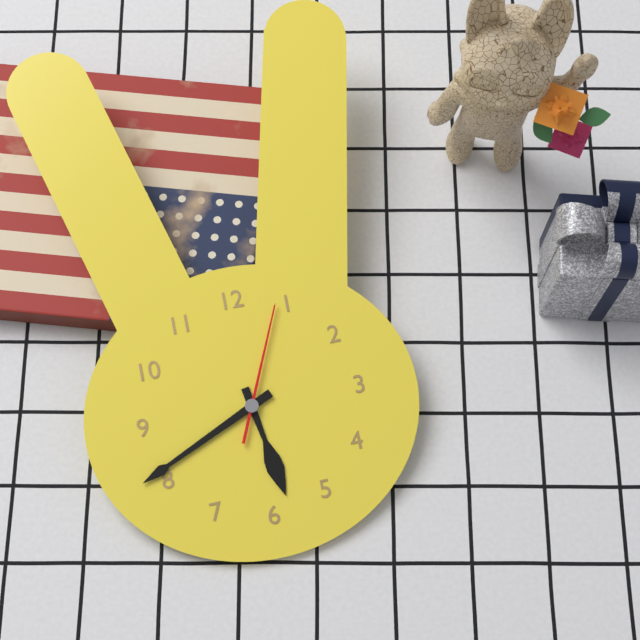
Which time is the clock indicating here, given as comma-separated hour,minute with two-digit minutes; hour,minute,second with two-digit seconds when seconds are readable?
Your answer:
5,41,04
